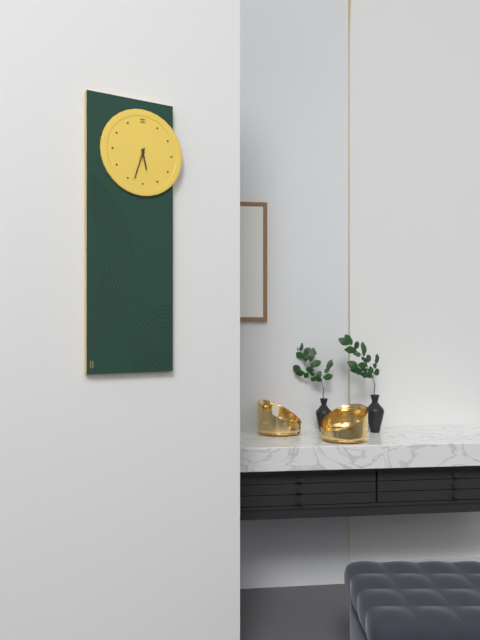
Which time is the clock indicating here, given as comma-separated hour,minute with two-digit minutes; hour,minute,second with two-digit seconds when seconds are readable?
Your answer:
5,33
